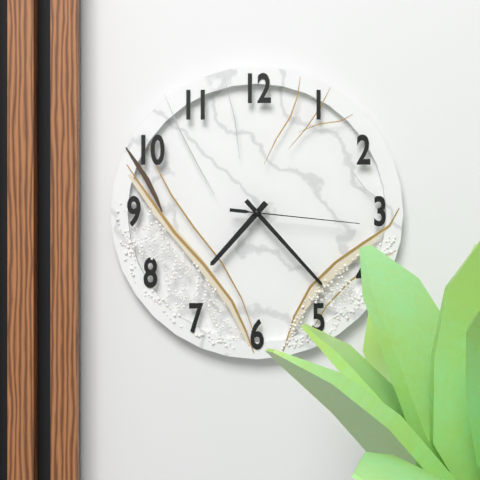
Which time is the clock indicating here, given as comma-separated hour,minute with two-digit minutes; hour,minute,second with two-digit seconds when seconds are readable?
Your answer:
7,23,16
